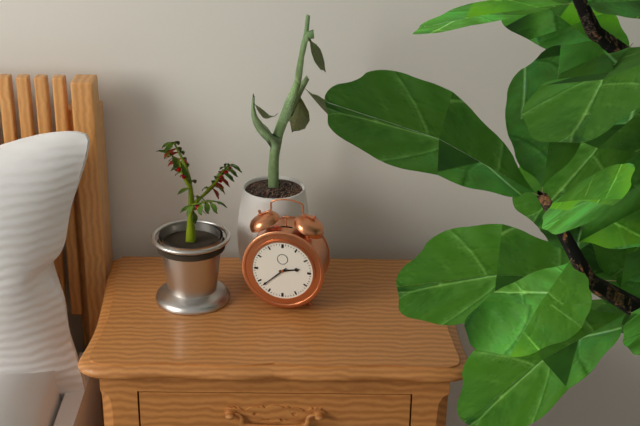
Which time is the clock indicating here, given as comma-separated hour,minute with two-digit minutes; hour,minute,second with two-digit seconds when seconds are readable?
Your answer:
2,38
